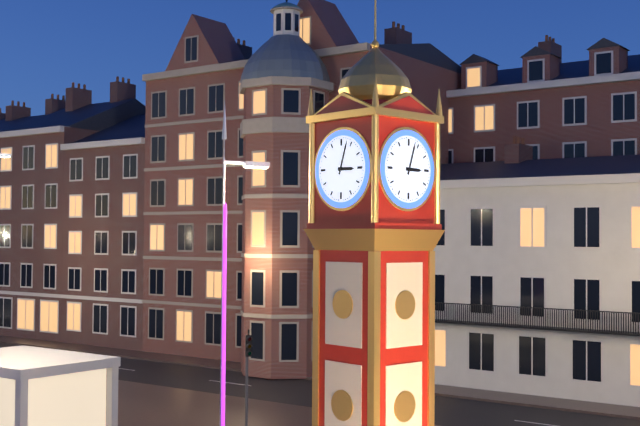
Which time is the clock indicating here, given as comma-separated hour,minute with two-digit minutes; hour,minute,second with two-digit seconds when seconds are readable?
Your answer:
3,03
